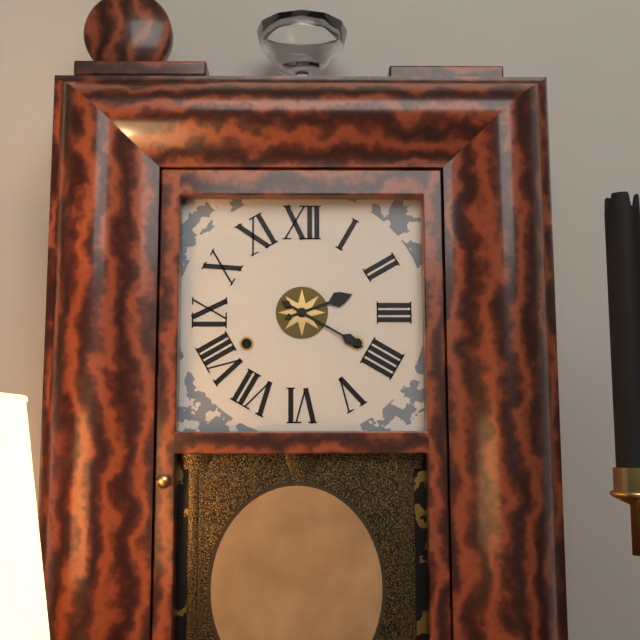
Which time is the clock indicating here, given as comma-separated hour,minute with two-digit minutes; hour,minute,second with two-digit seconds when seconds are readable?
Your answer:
2,20
